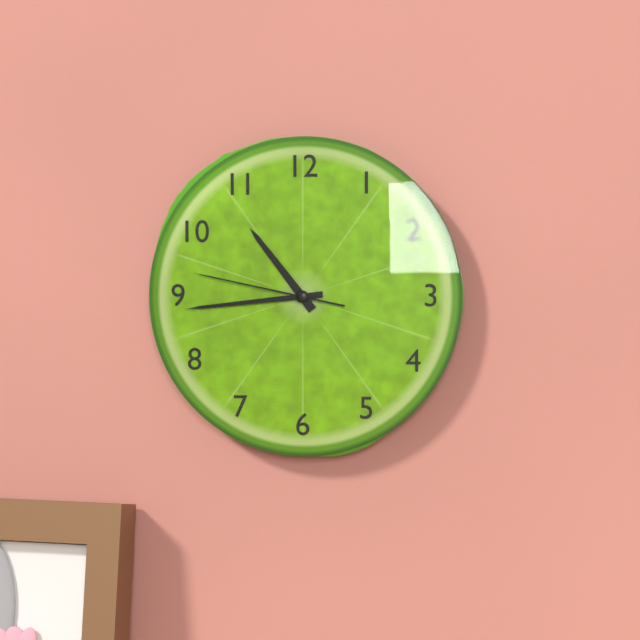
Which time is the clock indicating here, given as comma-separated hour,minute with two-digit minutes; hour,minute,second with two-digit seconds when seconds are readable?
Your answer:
10,44,47
